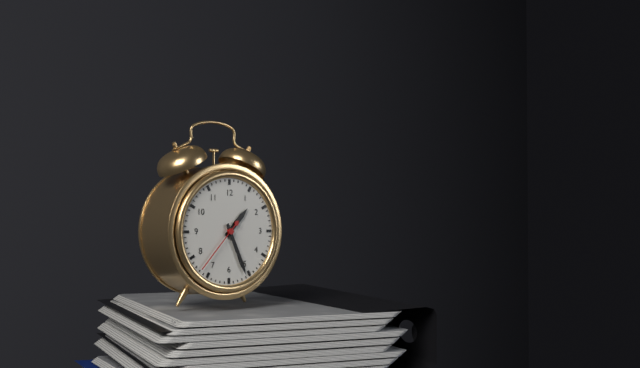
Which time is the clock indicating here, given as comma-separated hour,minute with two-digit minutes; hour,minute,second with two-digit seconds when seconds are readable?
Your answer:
1,26,37
